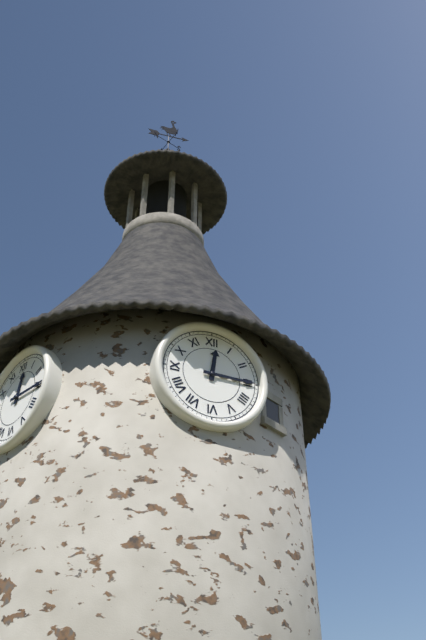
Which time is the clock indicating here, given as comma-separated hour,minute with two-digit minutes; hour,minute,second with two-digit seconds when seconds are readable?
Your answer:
12,15
